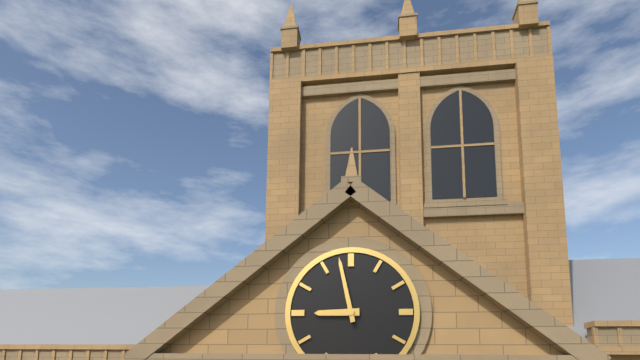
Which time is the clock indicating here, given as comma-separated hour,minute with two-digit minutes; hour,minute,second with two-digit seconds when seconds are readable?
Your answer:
8,58
